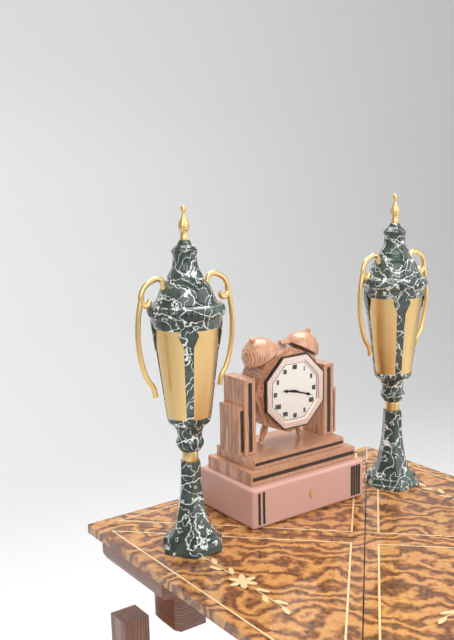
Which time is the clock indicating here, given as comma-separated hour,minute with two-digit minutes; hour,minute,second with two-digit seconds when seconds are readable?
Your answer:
9,18
